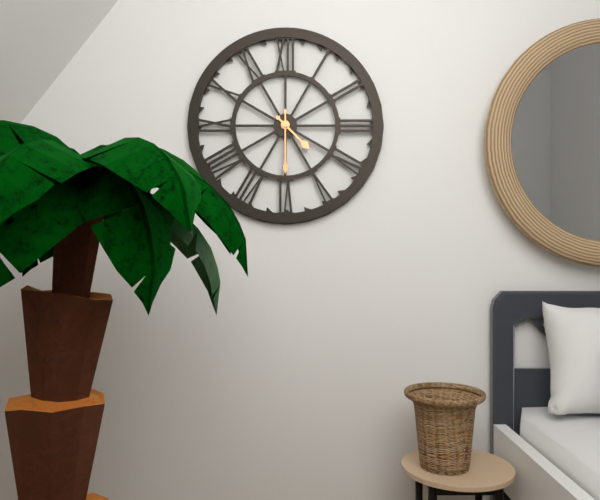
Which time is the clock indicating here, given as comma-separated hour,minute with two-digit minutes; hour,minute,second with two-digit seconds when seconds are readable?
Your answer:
4,30
